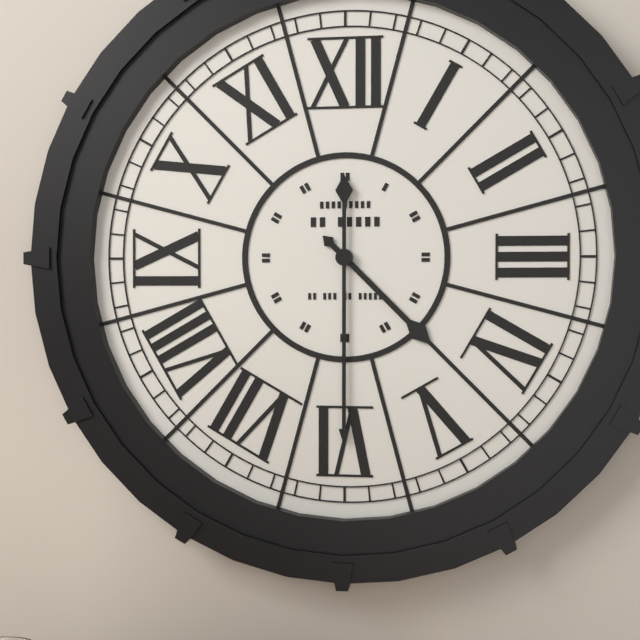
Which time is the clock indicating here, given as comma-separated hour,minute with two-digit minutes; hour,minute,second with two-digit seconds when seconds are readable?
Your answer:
4,30
